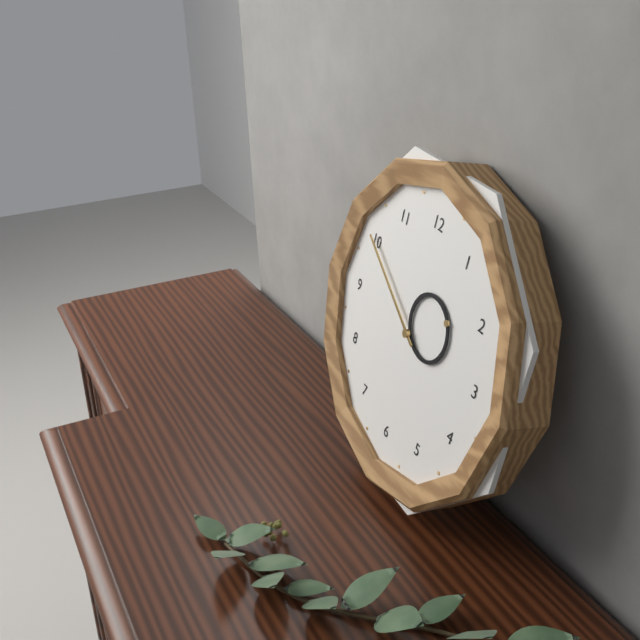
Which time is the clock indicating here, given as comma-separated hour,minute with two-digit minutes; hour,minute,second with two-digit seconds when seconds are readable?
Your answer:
1,50
